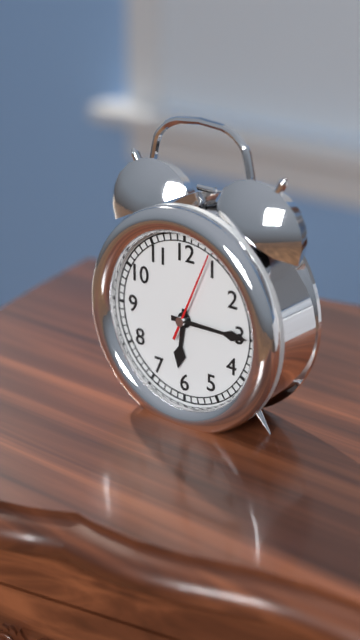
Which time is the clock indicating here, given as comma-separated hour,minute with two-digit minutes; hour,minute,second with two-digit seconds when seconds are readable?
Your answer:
6,15,04
